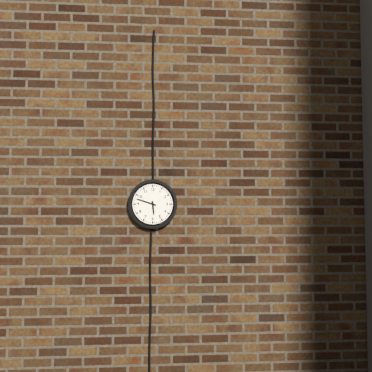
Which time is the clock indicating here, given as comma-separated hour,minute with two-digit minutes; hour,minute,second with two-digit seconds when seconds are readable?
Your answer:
5,48
